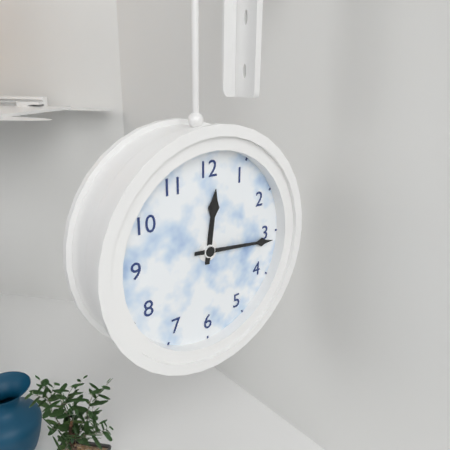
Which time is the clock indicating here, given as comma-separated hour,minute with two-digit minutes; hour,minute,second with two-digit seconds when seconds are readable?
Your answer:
12,16
